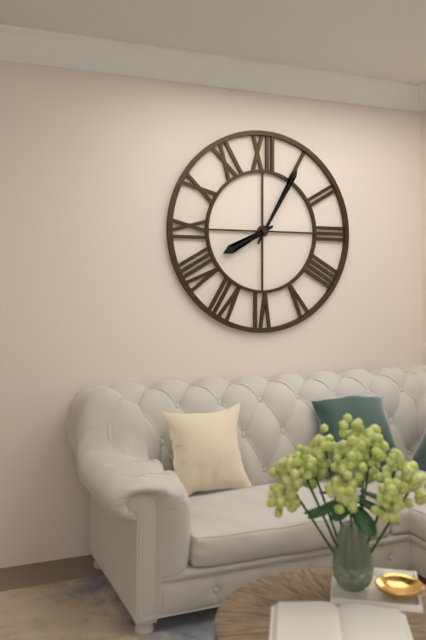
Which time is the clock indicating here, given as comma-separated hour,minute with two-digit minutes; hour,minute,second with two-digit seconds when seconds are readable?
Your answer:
8,05
